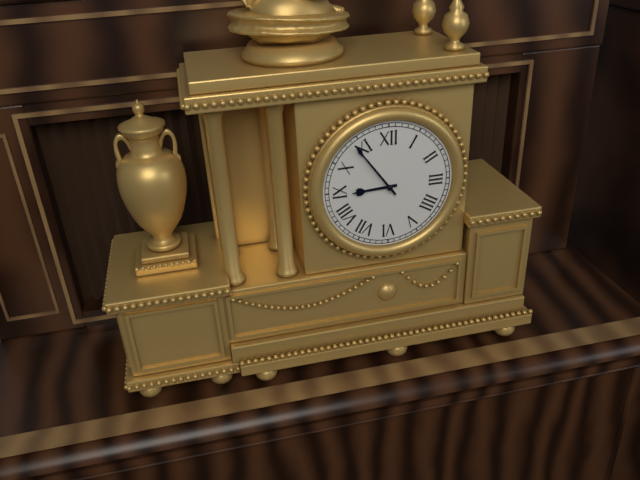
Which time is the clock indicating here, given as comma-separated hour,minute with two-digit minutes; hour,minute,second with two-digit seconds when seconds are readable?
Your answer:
8,54
